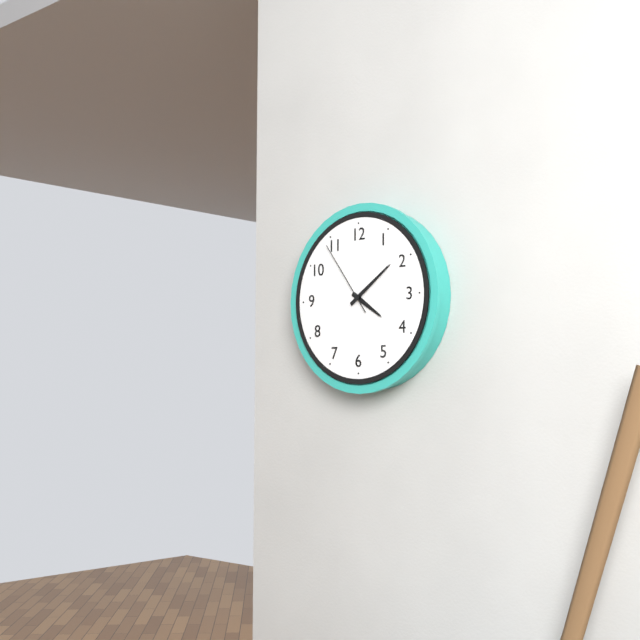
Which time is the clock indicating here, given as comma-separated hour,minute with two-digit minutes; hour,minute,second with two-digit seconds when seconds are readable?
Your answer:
4,09,54
